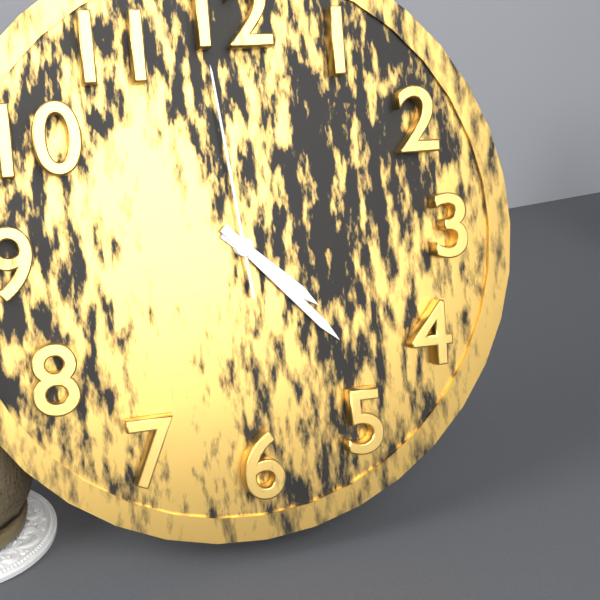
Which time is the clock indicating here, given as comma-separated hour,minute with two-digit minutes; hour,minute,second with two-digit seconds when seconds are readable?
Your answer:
4,23,59
